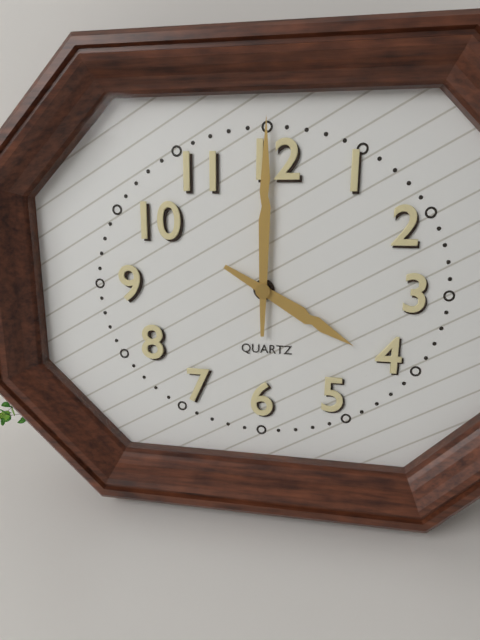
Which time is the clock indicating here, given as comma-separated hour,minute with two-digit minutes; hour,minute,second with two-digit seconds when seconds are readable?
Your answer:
4,00
